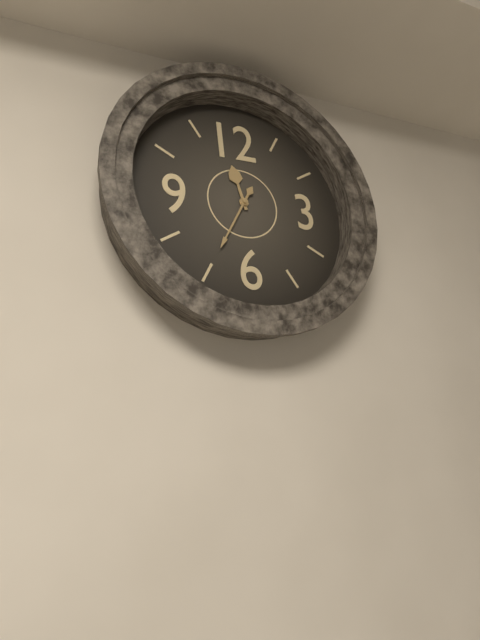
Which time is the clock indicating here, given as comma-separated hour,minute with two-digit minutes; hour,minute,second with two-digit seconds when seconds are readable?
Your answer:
11,35
